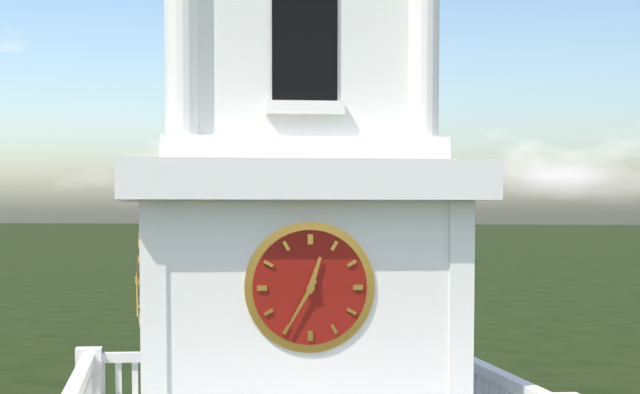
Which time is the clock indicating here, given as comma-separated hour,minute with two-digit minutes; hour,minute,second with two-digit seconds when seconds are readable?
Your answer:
12,35
